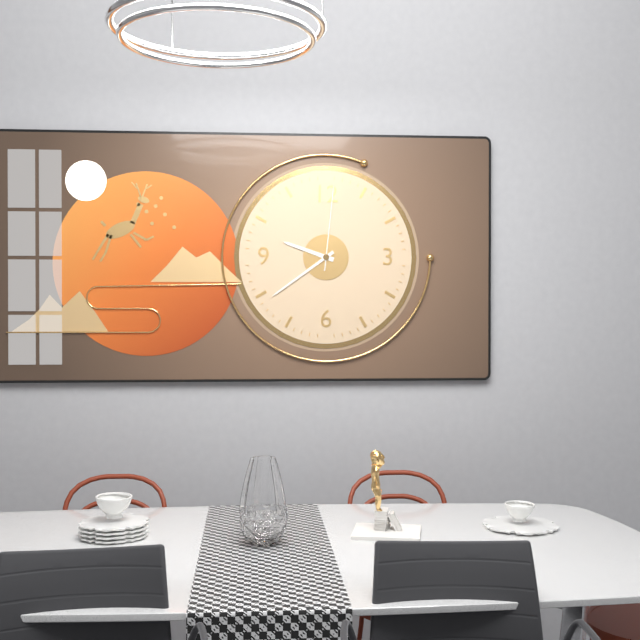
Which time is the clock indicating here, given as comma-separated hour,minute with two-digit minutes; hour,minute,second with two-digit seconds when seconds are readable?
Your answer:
9,39,01
